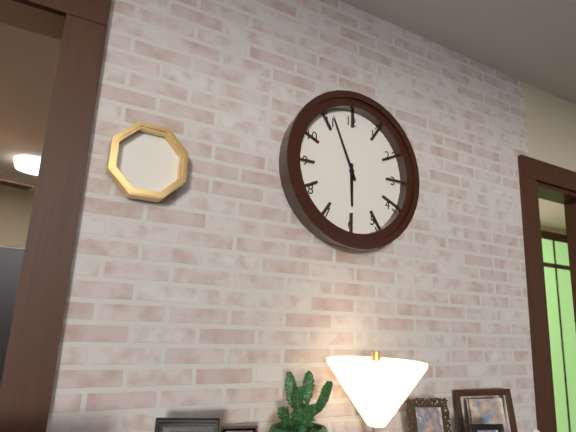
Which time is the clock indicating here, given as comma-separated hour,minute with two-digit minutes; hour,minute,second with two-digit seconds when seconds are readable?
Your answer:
5,56
